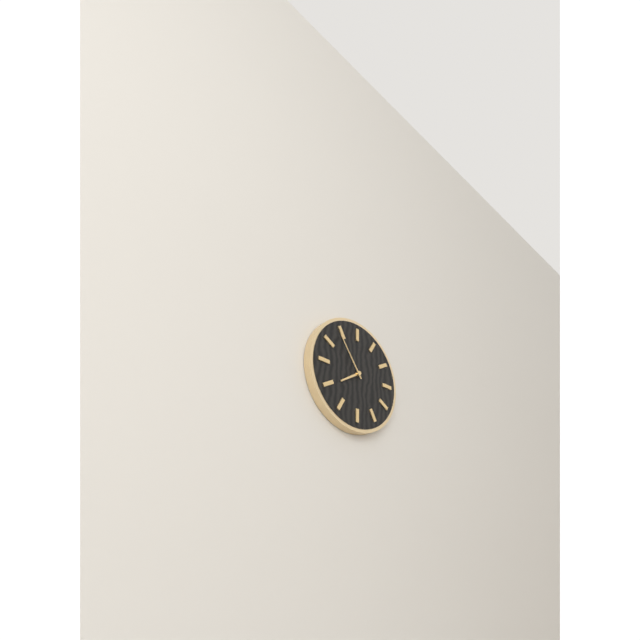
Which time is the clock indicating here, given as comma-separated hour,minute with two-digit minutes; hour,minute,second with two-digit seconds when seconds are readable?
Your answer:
7,54
